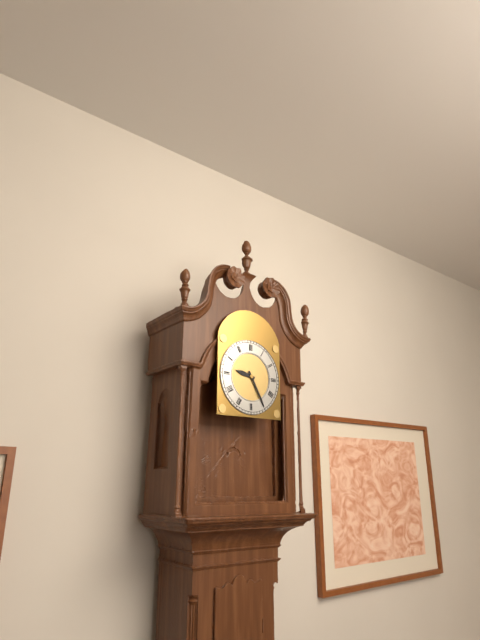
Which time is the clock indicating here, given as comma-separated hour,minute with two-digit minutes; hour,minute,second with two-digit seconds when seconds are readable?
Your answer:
9,25
